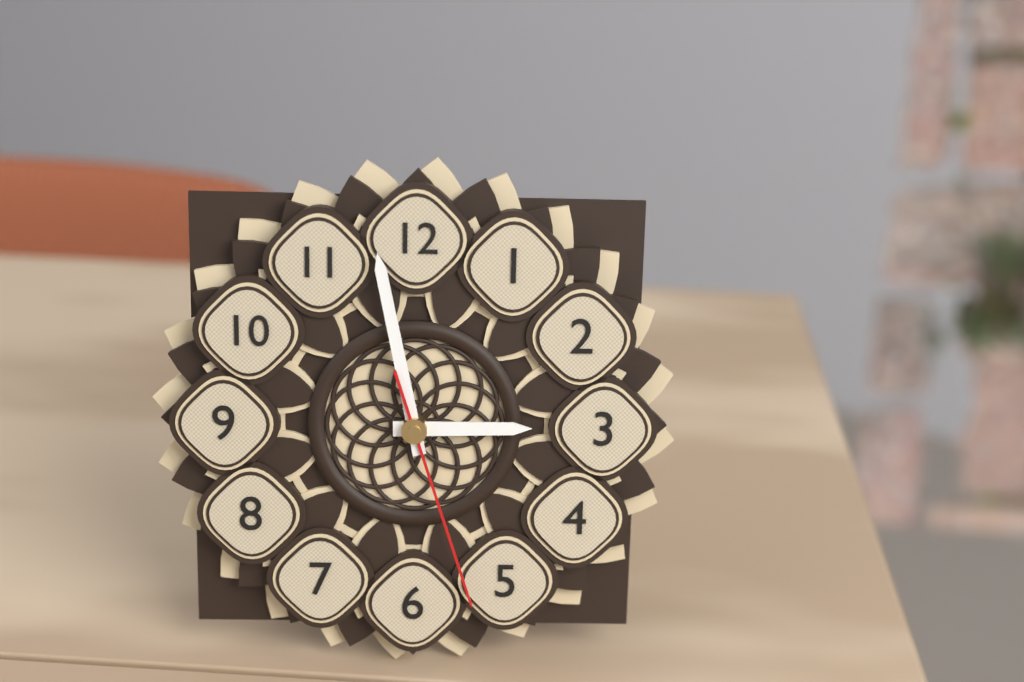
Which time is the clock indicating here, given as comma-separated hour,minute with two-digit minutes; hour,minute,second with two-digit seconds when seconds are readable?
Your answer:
2,58,27
